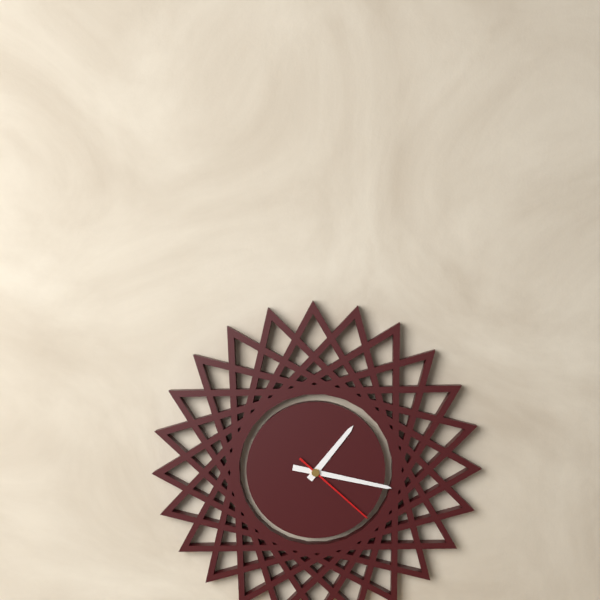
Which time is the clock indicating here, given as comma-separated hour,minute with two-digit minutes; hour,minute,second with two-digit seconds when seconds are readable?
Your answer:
1,17,22
